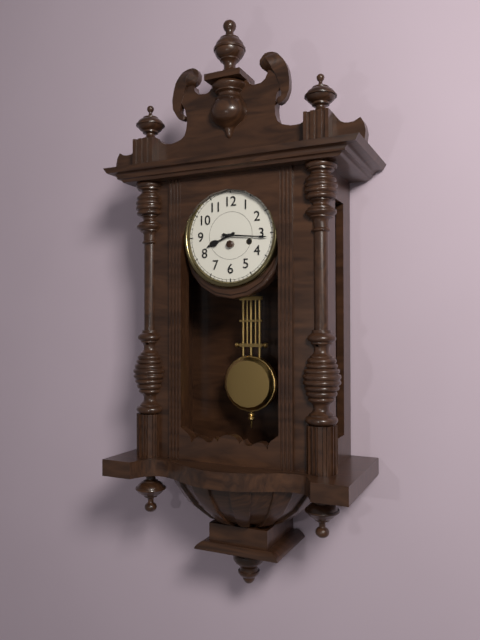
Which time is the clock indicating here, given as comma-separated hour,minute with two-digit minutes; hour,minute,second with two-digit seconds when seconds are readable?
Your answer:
8,16
